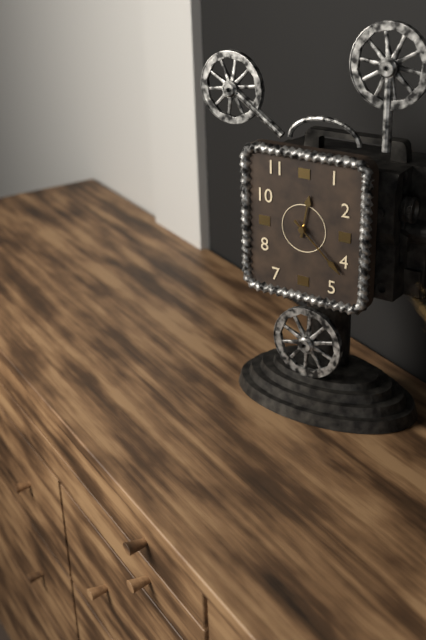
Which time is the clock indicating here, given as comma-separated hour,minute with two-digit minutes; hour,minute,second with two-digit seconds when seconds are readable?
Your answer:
12,22
